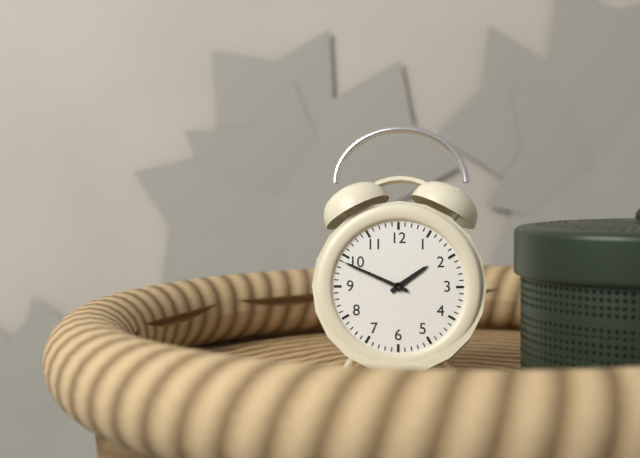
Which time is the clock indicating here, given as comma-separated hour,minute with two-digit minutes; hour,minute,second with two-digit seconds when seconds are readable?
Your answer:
1,49
